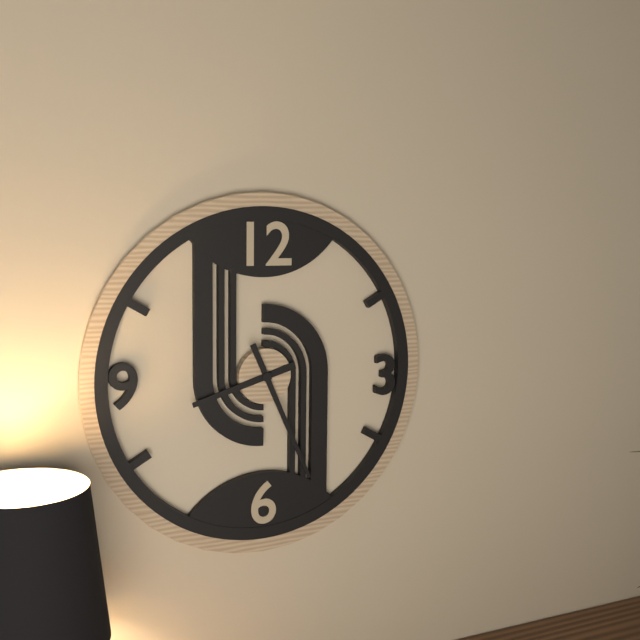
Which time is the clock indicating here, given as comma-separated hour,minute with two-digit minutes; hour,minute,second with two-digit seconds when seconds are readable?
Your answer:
8,26
